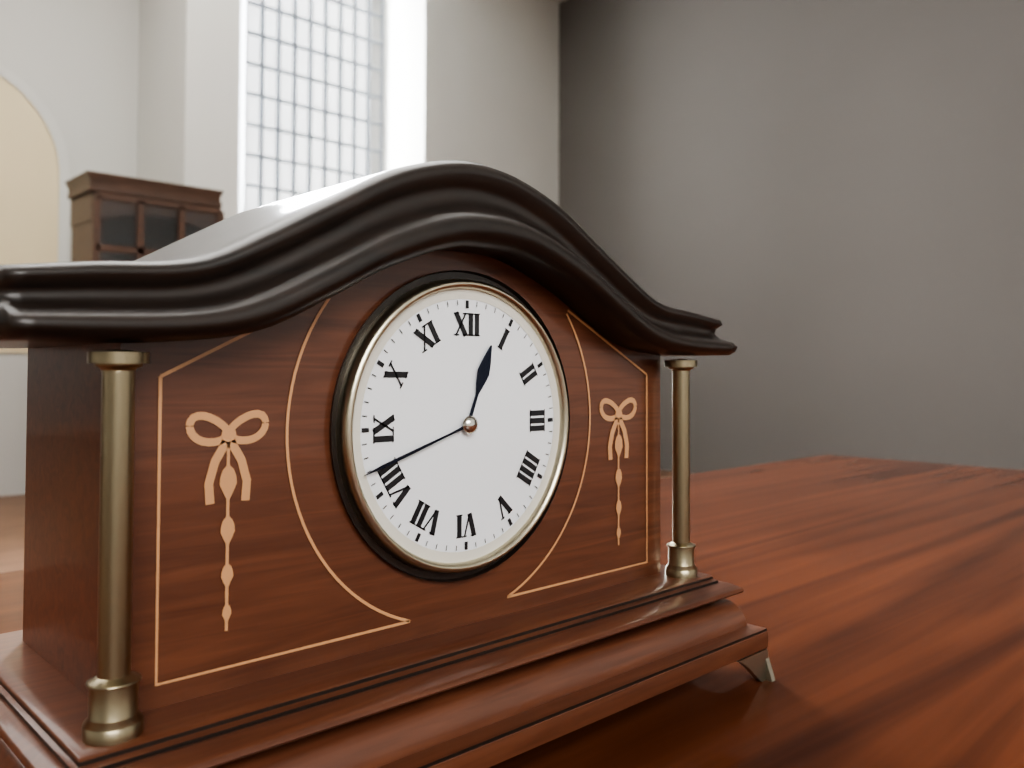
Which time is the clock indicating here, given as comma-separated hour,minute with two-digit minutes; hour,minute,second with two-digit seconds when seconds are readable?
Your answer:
12,42
